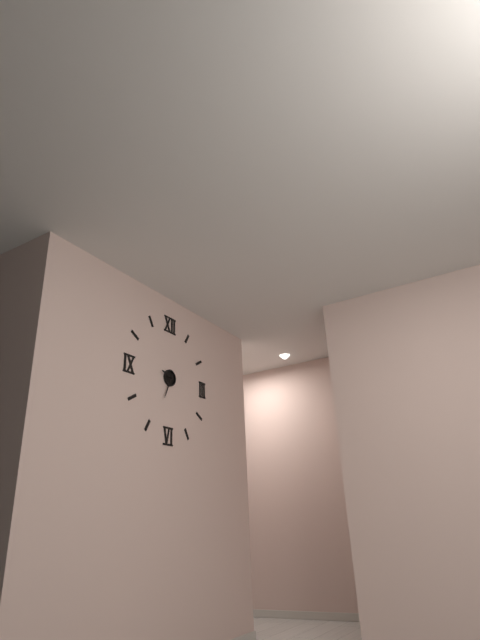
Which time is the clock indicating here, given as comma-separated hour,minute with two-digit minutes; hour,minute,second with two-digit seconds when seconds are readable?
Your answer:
9,34
